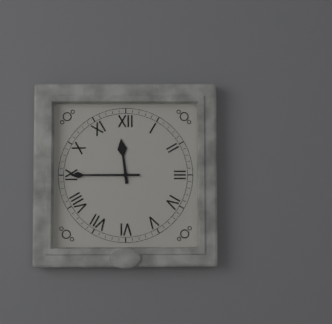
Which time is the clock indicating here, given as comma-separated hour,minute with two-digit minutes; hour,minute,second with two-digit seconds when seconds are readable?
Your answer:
11,45
